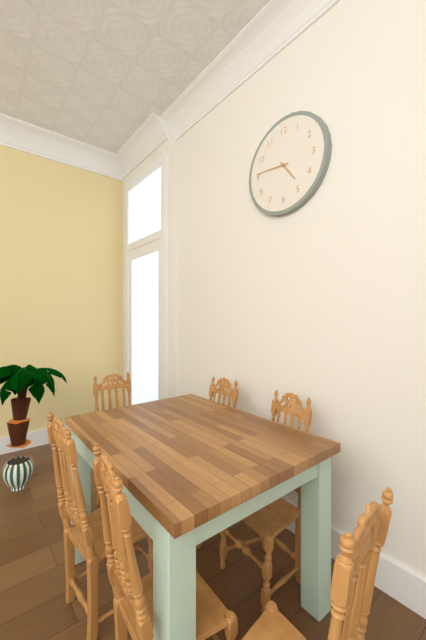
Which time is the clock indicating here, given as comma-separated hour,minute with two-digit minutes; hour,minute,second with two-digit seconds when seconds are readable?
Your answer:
4,46
